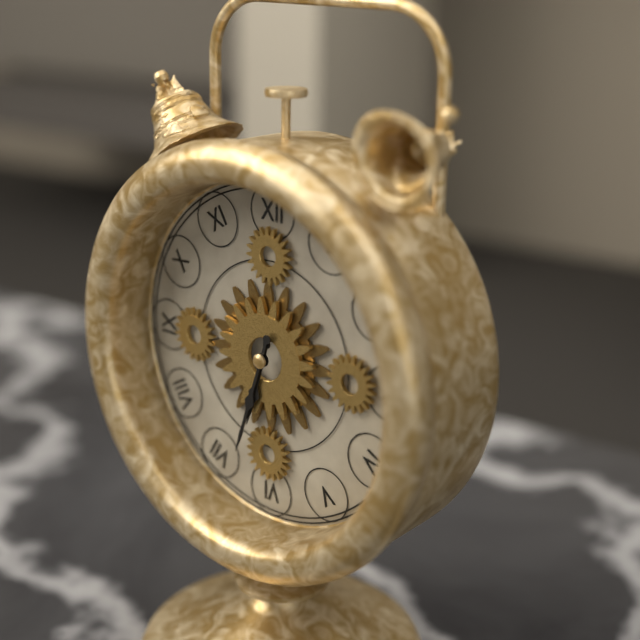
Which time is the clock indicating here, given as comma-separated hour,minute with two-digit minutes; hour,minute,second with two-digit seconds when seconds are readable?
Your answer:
6,33
